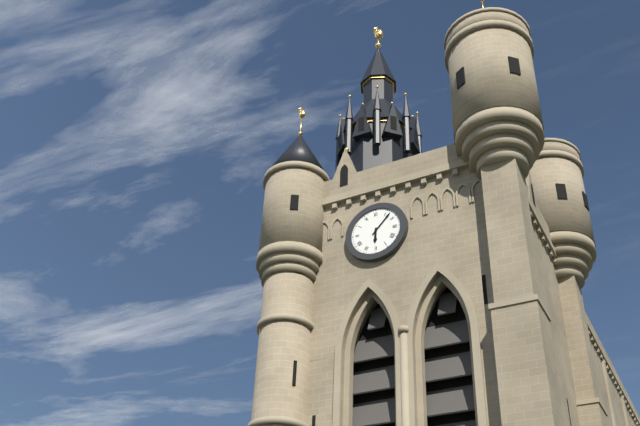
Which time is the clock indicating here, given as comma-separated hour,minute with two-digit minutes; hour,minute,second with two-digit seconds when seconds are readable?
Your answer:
6,07
